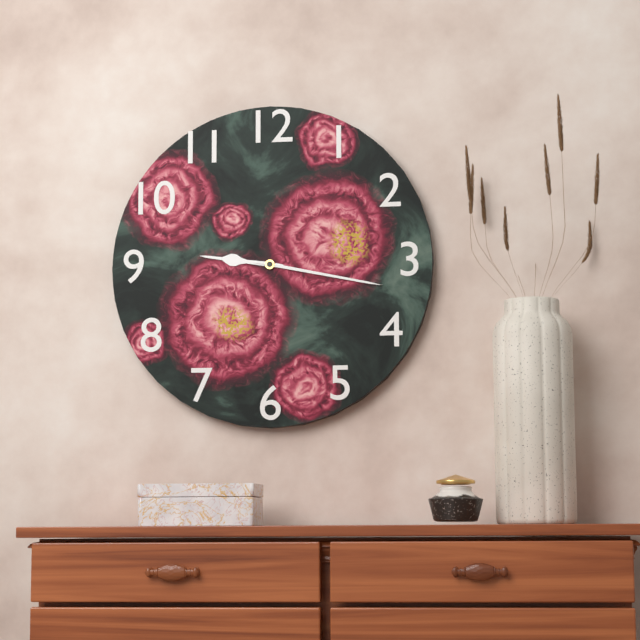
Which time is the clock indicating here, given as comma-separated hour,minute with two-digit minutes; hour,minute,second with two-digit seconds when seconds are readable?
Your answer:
9,17
